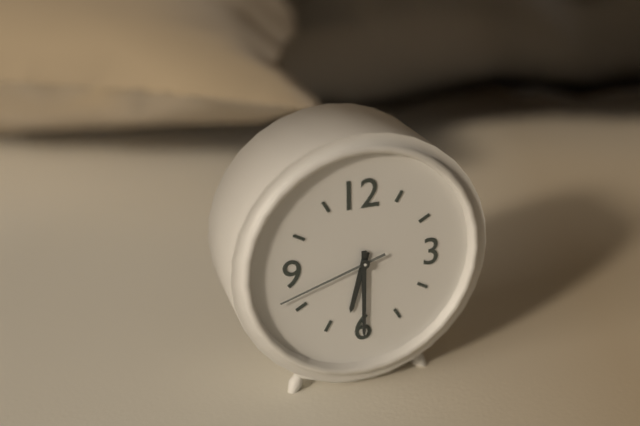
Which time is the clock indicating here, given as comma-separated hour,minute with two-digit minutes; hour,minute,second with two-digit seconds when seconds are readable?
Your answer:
6,30,42
